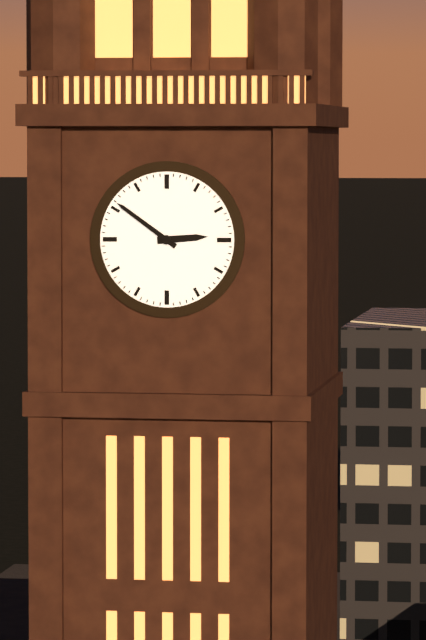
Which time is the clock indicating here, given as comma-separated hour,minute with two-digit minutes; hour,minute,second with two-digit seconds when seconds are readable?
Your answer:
2,51
